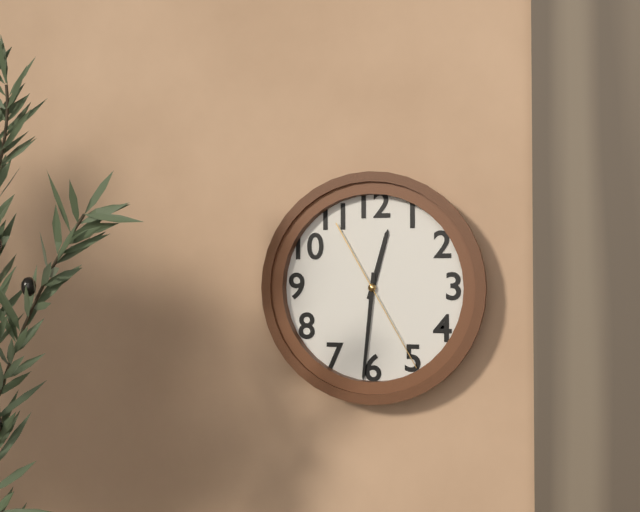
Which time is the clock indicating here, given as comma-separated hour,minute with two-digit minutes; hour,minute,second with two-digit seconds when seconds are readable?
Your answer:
12,31,25
